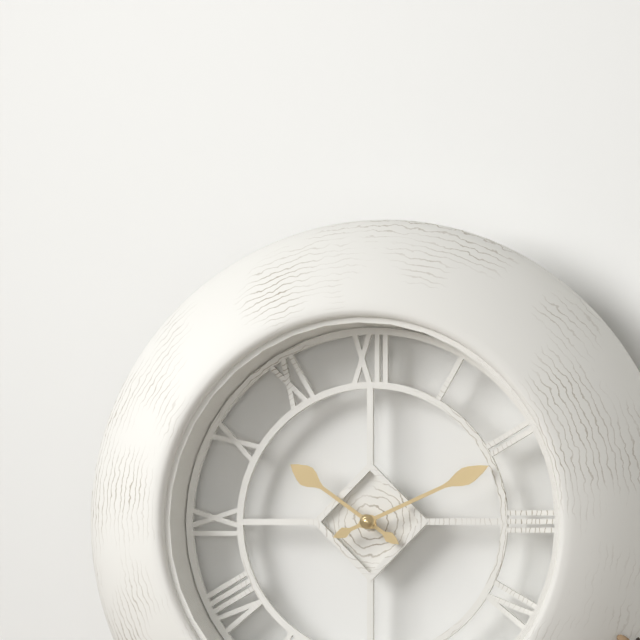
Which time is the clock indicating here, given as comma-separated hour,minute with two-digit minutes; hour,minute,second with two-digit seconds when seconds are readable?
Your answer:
10,11
